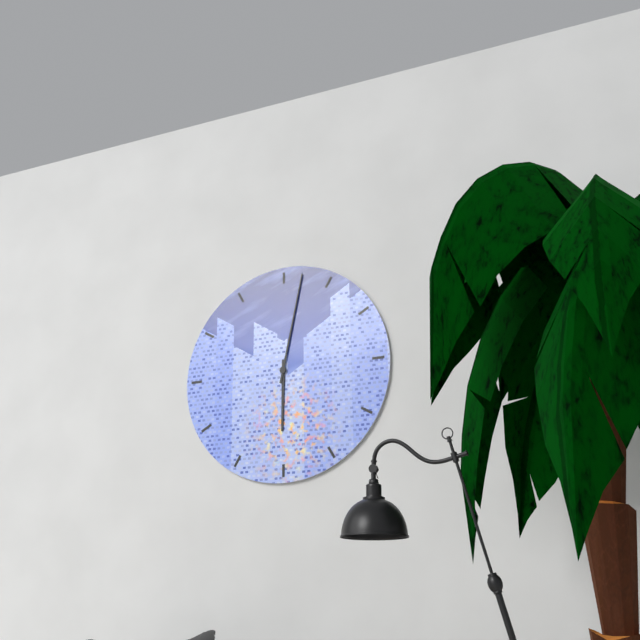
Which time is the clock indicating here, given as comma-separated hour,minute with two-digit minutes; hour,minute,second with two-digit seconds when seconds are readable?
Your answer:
6,02
